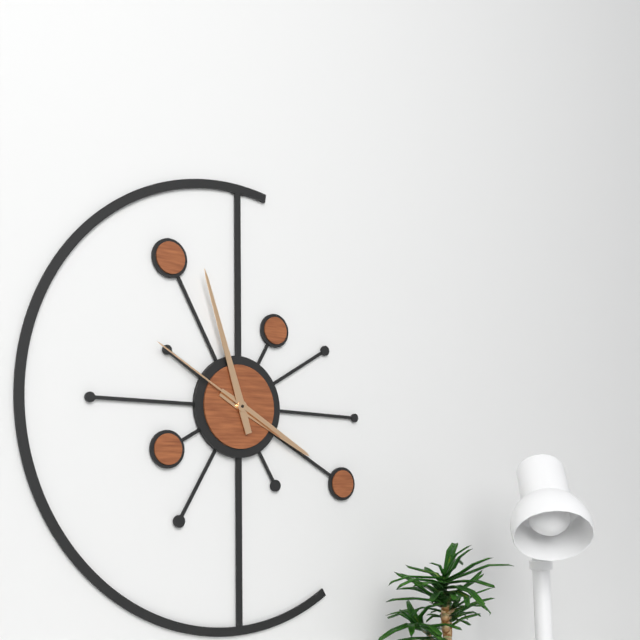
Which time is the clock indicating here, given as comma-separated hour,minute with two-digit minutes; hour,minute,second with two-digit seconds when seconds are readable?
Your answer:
3,57,50
